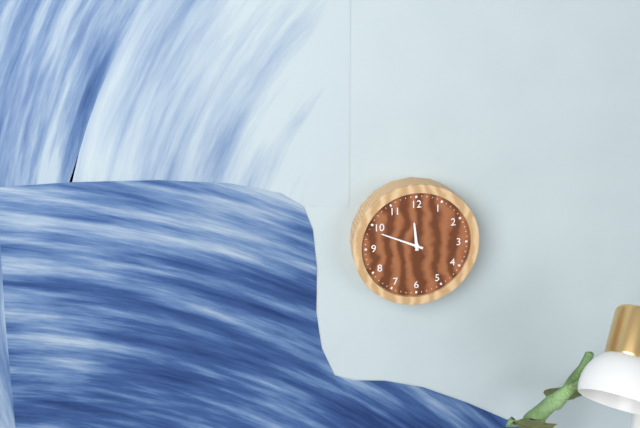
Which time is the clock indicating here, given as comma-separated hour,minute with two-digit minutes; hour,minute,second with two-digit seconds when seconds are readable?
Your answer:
11,49
